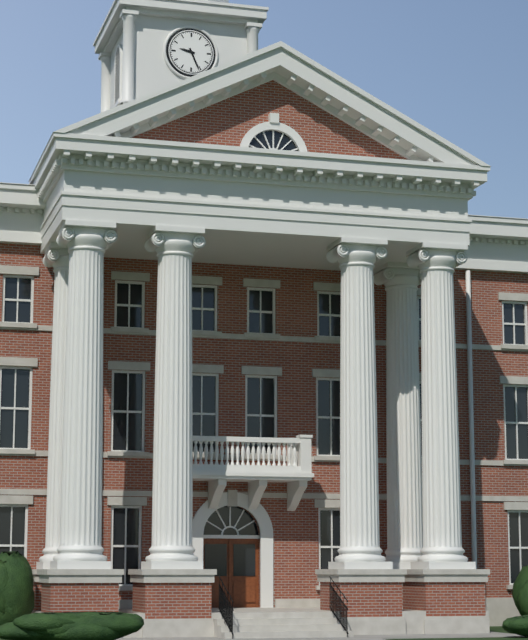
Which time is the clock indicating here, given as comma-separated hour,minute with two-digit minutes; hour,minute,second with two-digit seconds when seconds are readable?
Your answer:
9,26
